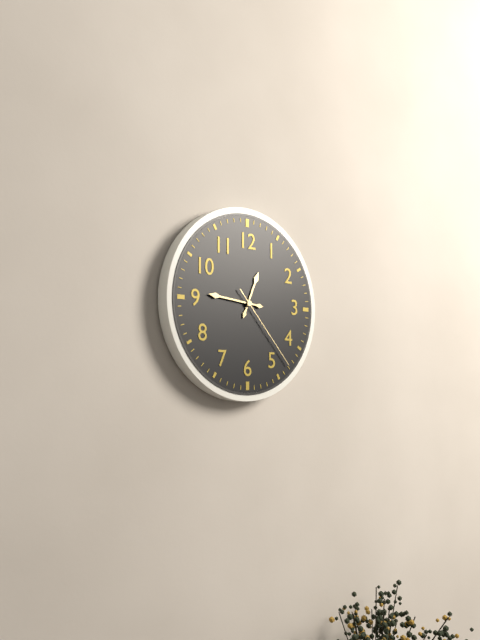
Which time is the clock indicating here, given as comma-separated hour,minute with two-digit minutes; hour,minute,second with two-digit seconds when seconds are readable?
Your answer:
12,46,23
